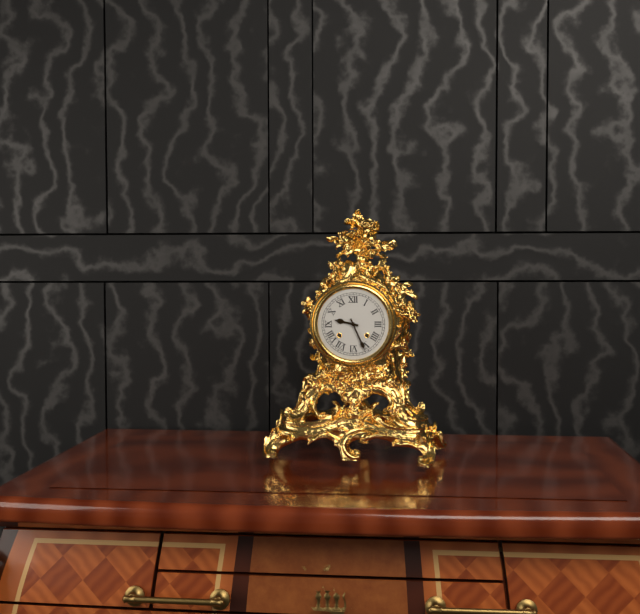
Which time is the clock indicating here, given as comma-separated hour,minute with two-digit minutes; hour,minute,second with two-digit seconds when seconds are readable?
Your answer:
9,26
